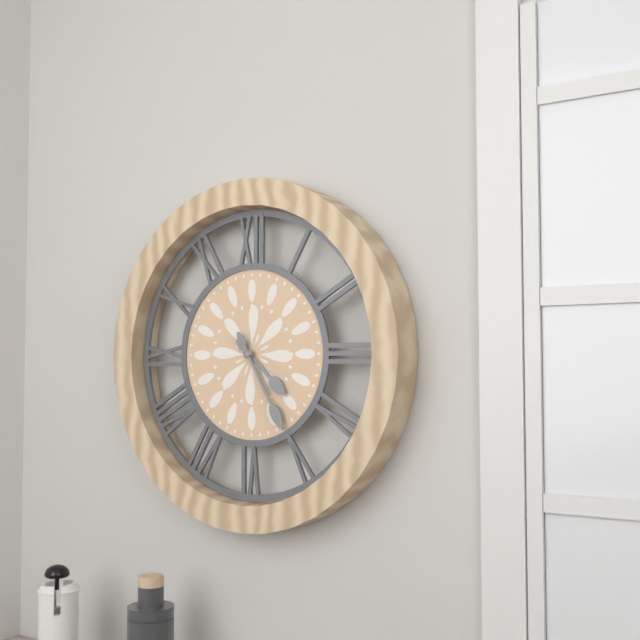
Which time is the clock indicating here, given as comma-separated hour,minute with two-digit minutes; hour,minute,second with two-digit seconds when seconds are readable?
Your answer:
4,25
